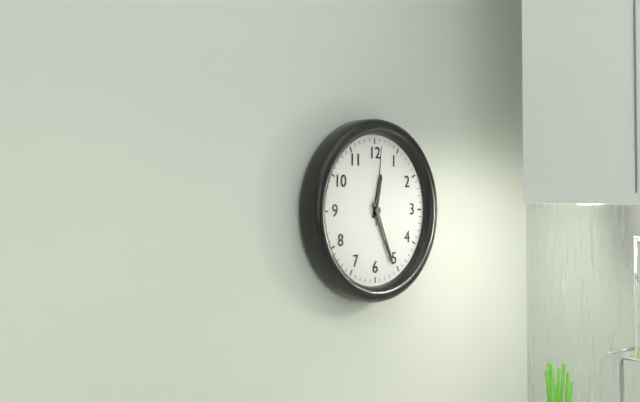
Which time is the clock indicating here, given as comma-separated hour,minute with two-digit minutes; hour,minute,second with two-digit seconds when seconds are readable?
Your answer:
12,26,01
